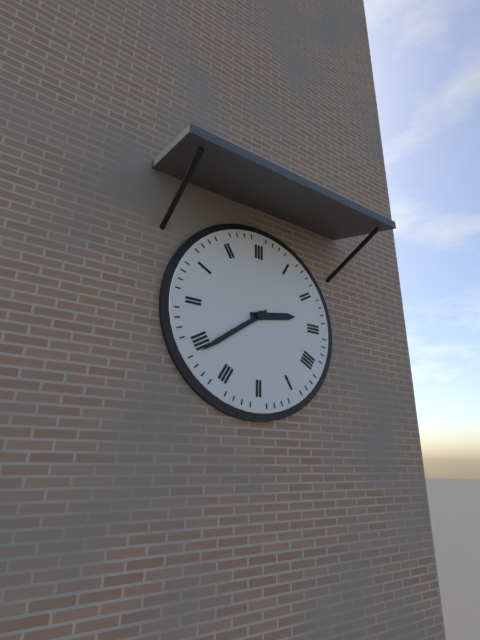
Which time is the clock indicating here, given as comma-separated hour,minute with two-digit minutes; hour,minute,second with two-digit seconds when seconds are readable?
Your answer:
2,39
